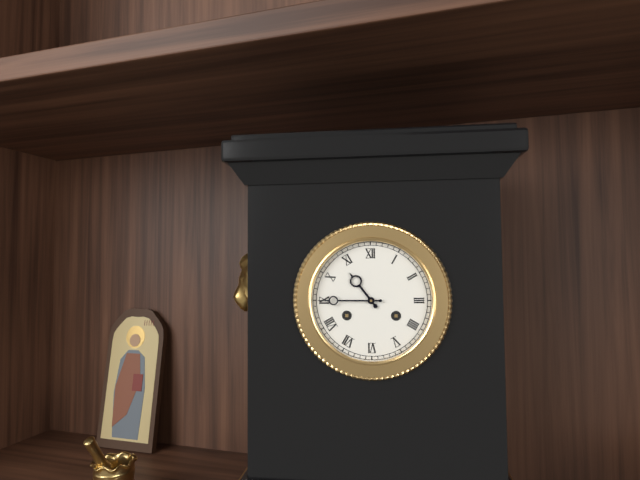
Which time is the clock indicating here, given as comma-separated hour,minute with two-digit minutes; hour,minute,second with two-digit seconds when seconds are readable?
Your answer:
10,45
